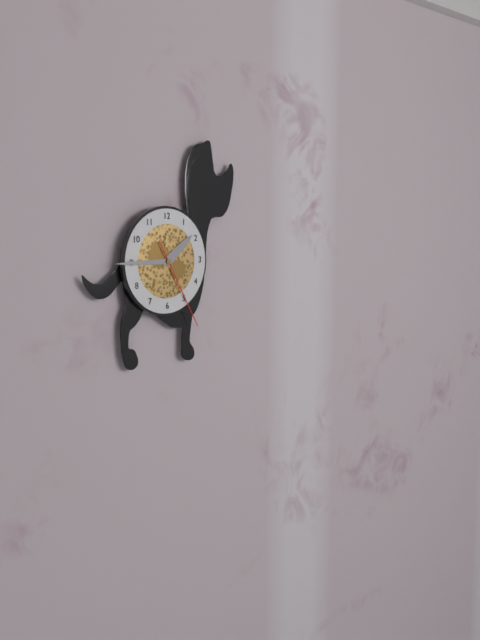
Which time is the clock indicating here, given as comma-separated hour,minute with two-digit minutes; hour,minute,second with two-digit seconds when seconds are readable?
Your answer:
1,45,25
